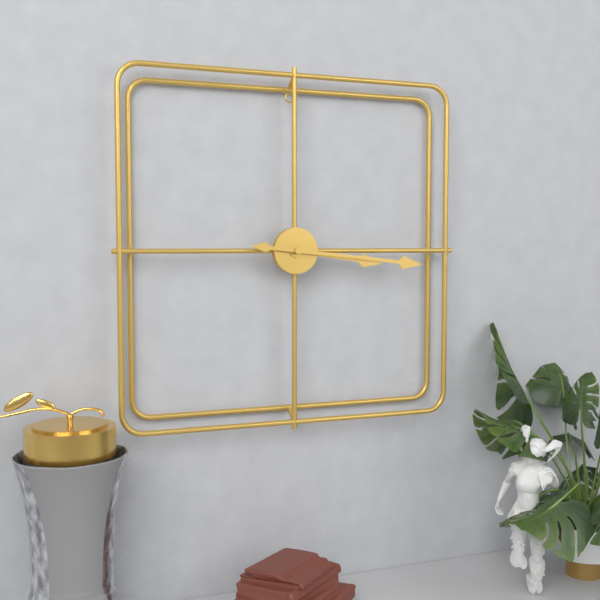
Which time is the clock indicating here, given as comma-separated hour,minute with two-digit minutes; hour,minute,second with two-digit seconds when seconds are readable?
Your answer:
3,16
